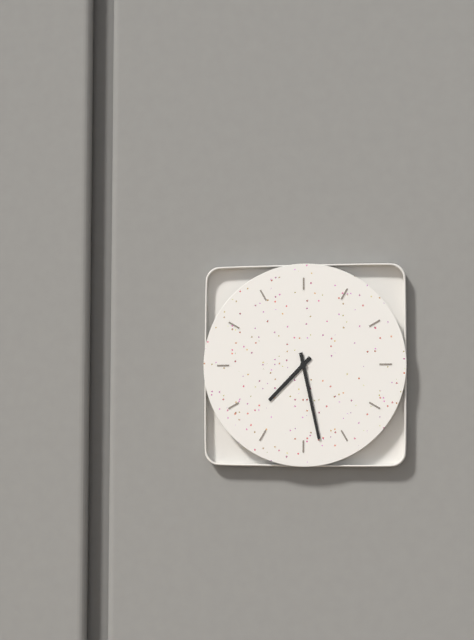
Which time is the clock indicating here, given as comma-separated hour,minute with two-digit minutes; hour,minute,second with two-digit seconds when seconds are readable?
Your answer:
7,28
